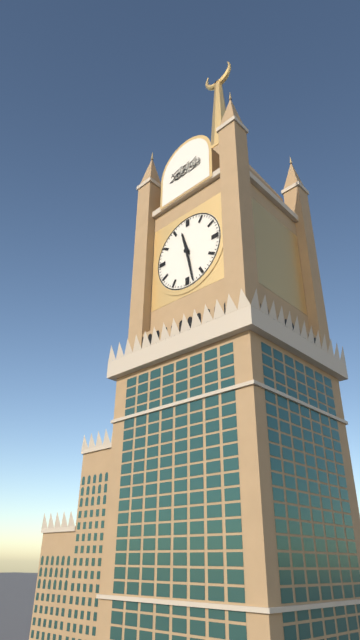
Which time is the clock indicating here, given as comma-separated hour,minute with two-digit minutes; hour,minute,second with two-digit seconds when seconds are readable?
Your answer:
11,28
